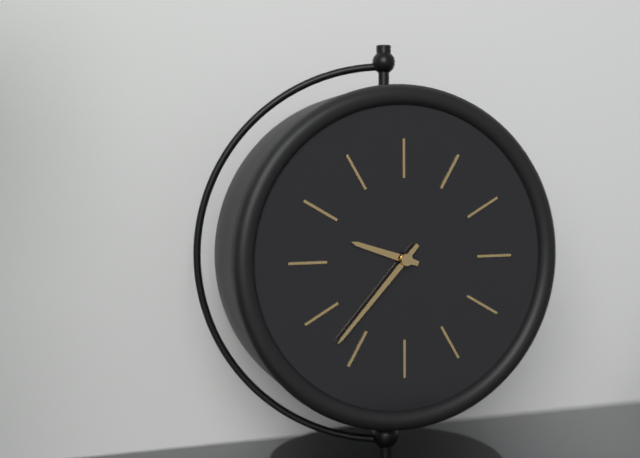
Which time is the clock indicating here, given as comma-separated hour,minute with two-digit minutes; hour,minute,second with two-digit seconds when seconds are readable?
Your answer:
9,37
